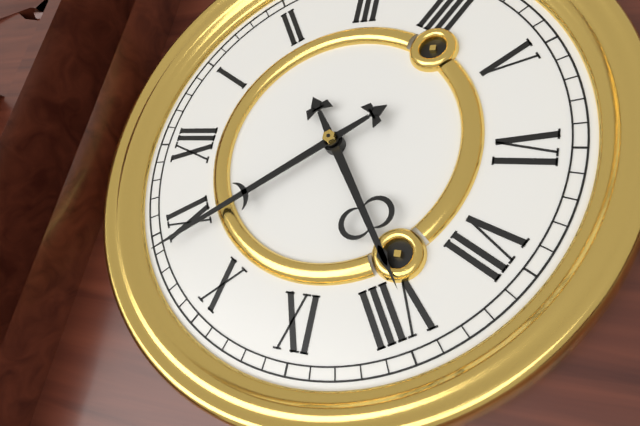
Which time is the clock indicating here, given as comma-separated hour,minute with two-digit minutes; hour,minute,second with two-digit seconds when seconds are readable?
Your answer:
7,54
